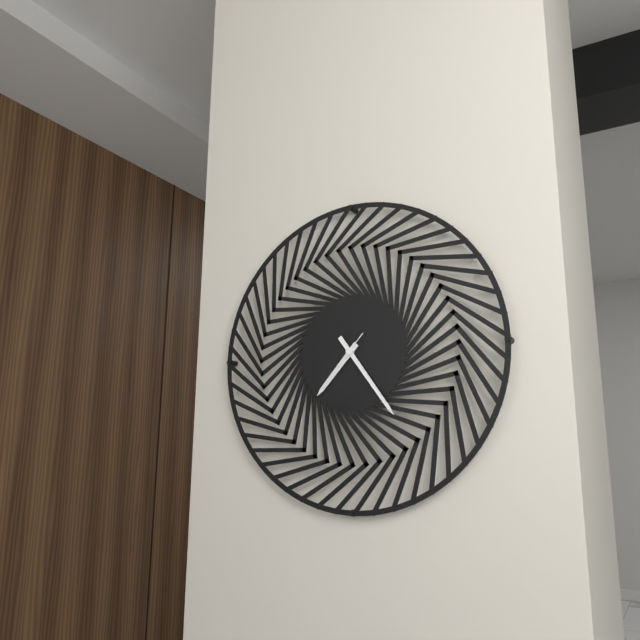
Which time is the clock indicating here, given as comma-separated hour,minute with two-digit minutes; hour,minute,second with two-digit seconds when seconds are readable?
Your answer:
7,24,37
